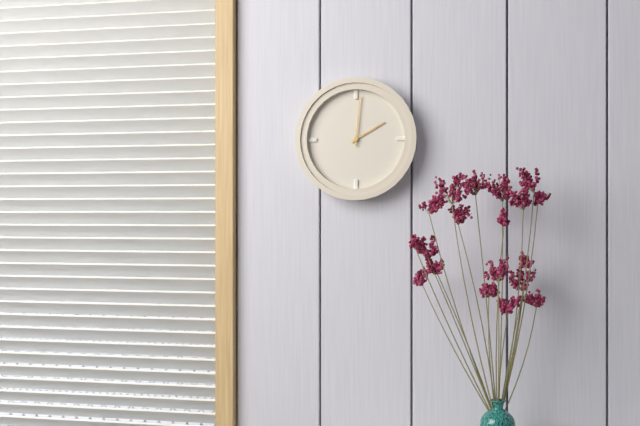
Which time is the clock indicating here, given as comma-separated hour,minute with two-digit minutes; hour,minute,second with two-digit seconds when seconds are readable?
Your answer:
2,01
